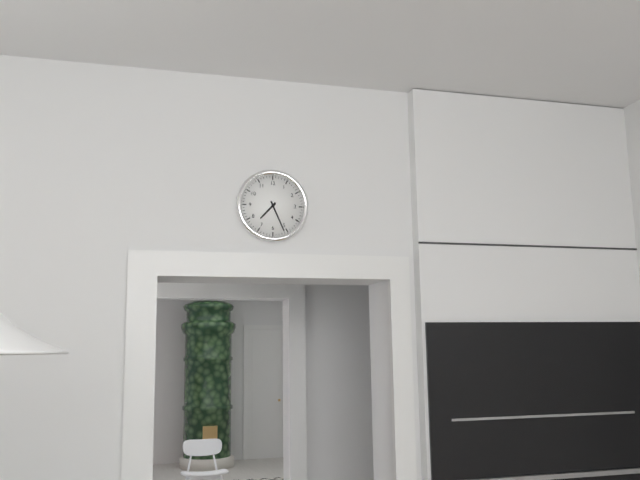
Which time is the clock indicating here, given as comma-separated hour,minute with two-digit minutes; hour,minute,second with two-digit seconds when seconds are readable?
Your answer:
7,26
